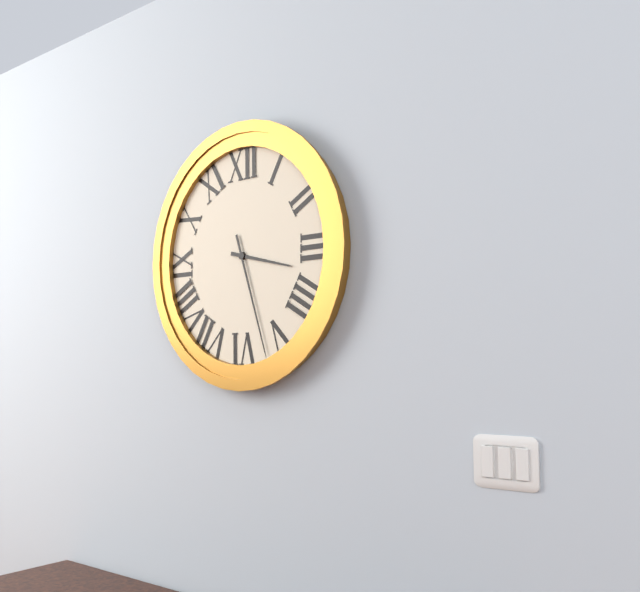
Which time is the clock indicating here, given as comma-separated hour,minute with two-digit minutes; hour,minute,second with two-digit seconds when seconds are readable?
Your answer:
3,27
